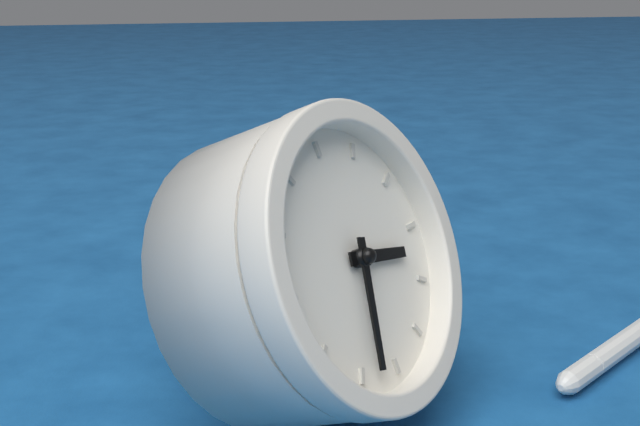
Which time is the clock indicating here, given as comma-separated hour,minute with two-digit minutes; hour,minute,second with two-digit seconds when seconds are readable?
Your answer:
2,28
